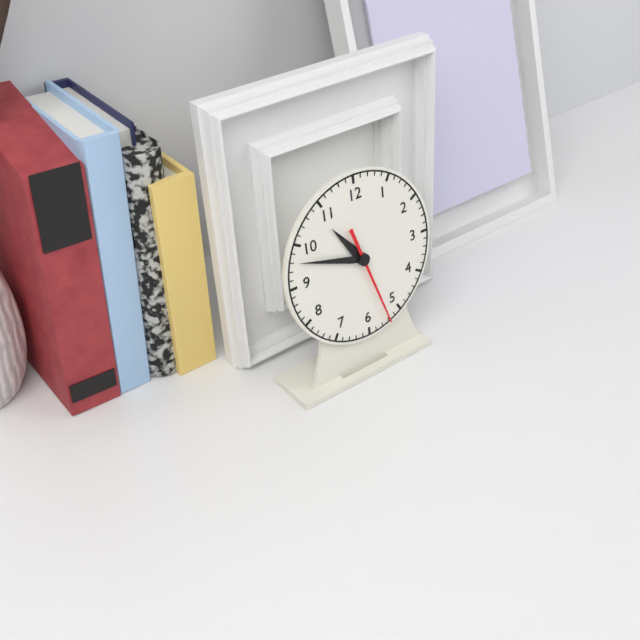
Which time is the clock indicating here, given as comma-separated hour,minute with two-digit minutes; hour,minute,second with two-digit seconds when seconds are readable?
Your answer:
10,48,27
